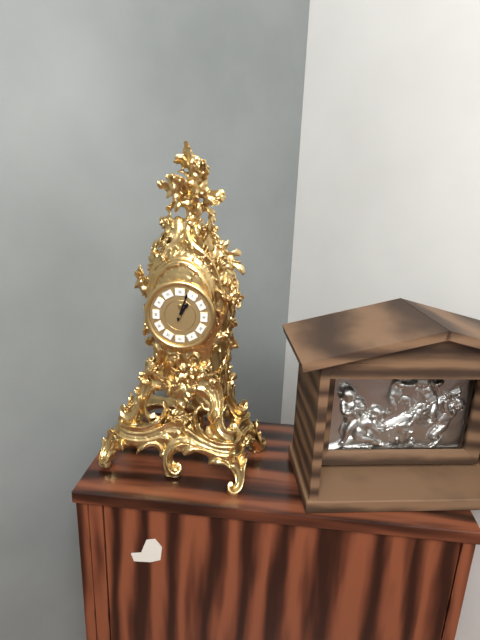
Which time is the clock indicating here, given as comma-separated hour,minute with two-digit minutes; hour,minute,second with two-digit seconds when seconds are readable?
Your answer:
1,03
